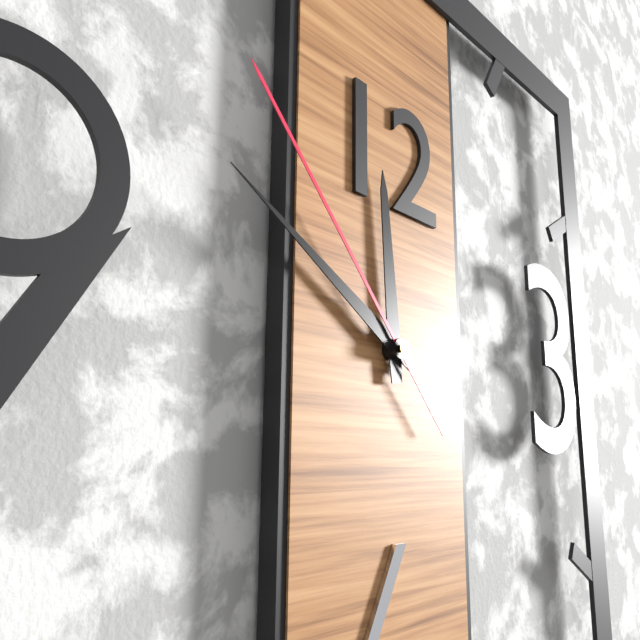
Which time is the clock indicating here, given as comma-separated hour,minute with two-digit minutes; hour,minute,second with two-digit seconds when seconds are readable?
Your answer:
11,50,53
